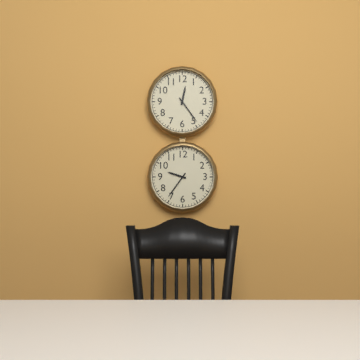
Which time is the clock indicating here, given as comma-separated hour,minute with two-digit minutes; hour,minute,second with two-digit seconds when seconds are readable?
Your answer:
12,24
